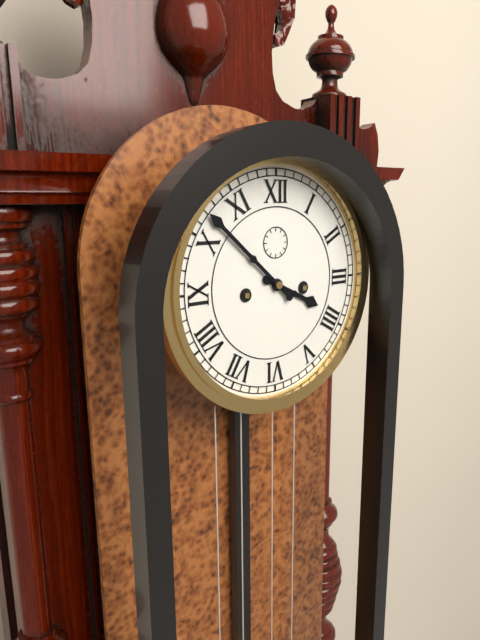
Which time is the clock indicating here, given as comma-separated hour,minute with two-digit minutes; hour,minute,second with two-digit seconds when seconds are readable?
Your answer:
3,52
